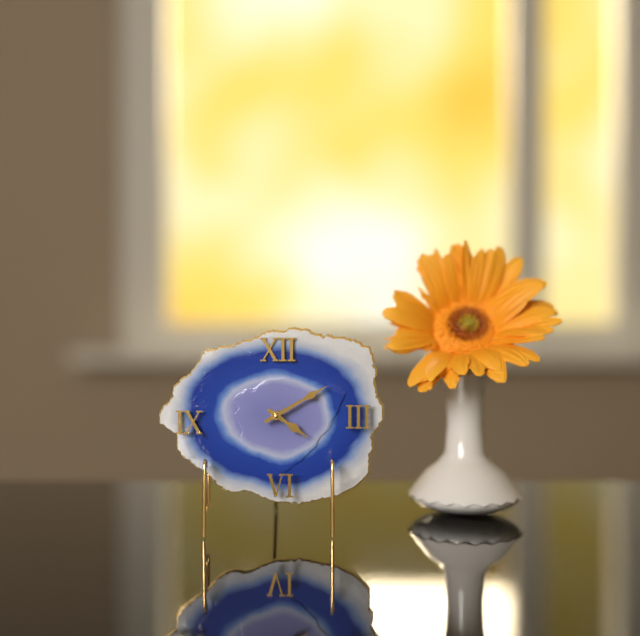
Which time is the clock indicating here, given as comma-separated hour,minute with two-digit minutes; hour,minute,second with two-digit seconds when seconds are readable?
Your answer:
4,10
